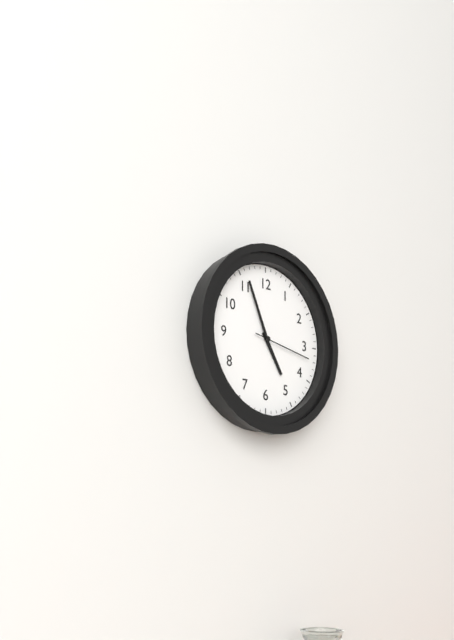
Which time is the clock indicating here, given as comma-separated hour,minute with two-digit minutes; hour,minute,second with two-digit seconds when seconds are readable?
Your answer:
4,56,17
